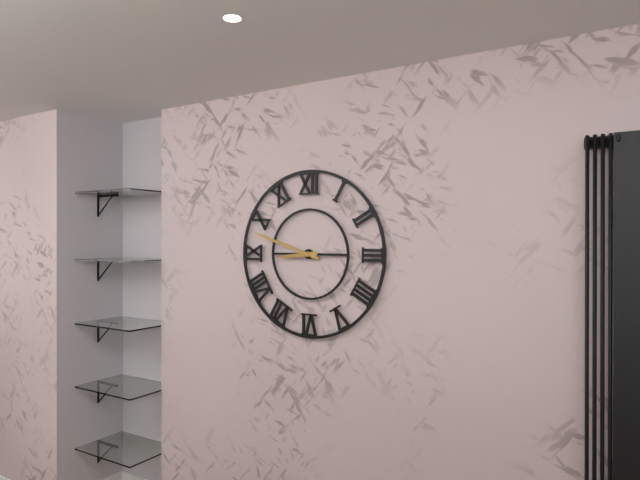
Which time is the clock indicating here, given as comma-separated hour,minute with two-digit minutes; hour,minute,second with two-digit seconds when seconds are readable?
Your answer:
8,48
